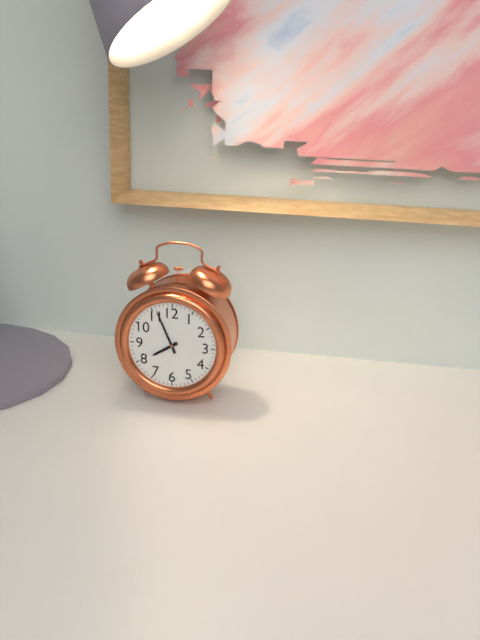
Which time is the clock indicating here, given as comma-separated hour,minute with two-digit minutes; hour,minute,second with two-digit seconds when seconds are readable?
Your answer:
7,56
